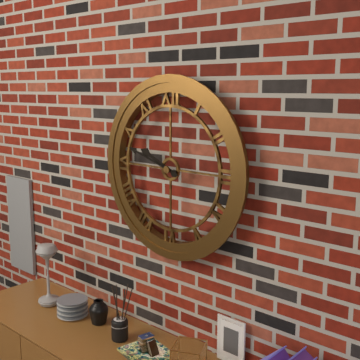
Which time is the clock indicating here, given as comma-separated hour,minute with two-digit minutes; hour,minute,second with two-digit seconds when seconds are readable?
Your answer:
9,48
